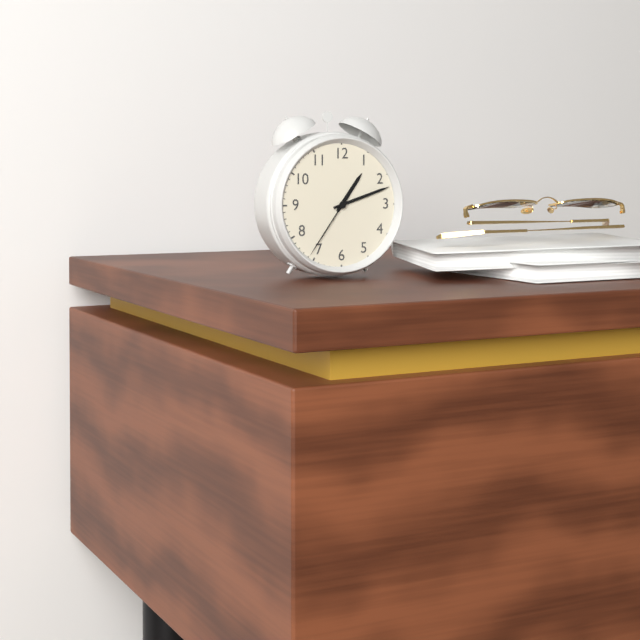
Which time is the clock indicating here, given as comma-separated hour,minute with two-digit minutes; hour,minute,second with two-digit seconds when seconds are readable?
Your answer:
1,12,36
